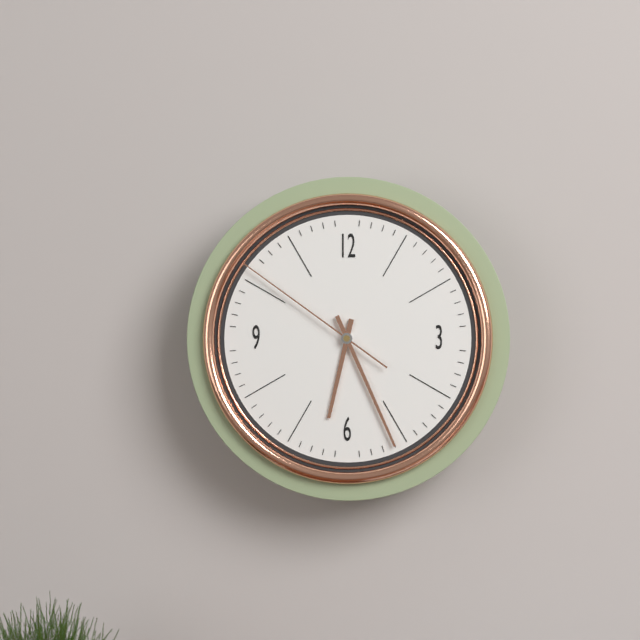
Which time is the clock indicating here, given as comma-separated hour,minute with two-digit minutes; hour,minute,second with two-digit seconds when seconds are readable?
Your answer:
6,26,51
